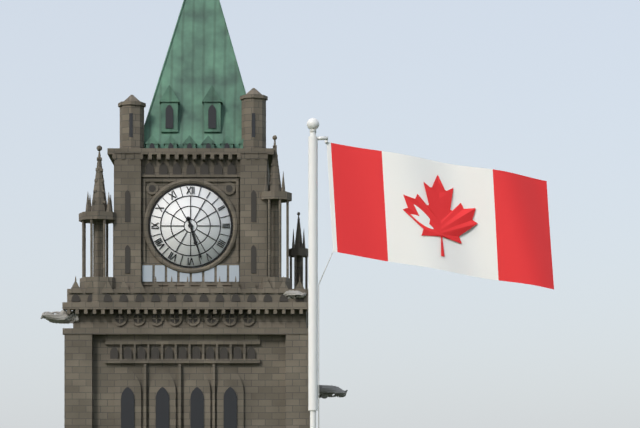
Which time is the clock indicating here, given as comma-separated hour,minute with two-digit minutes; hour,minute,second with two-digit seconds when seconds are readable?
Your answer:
5,27
